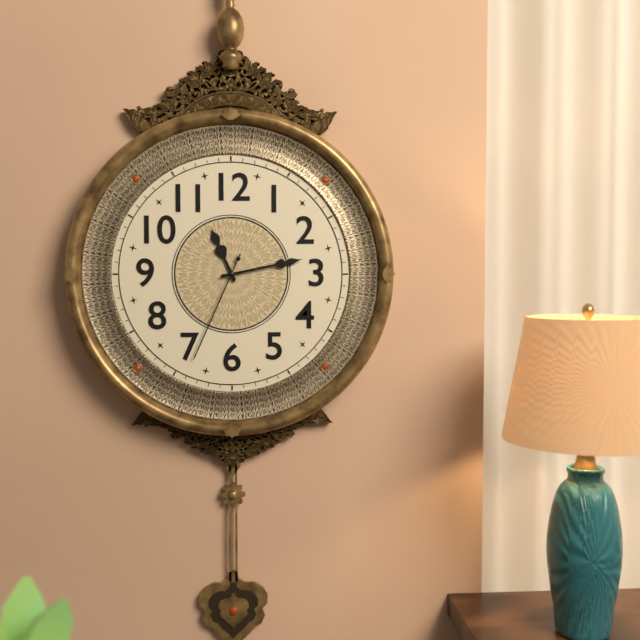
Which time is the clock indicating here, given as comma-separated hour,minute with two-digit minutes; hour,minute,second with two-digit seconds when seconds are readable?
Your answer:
11,13,34
